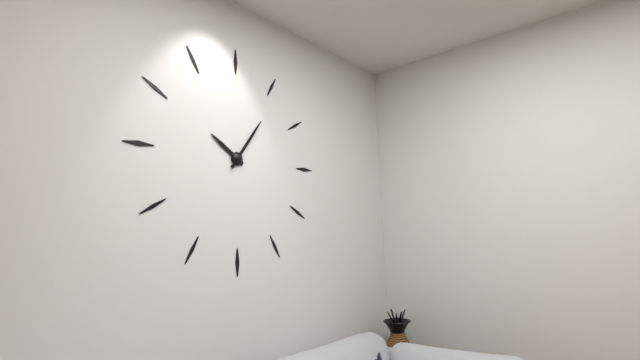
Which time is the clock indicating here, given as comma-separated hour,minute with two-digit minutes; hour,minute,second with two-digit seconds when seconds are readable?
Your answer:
10,06
